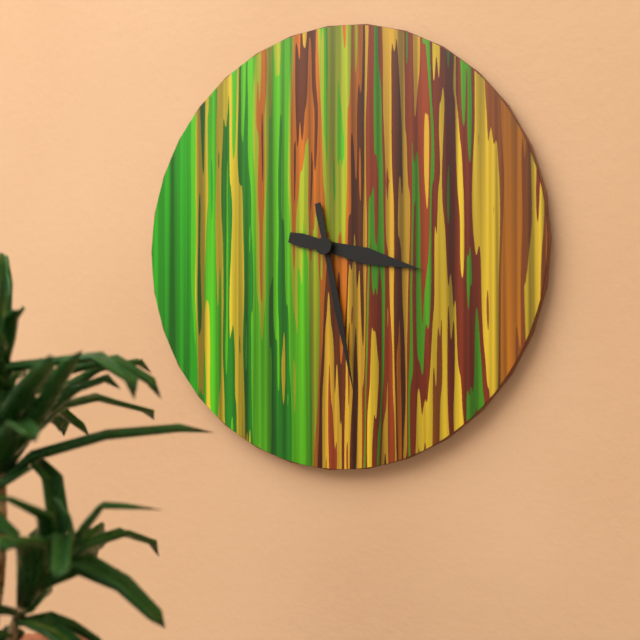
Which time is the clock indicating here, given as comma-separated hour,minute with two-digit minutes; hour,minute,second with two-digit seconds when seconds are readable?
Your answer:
3,28
